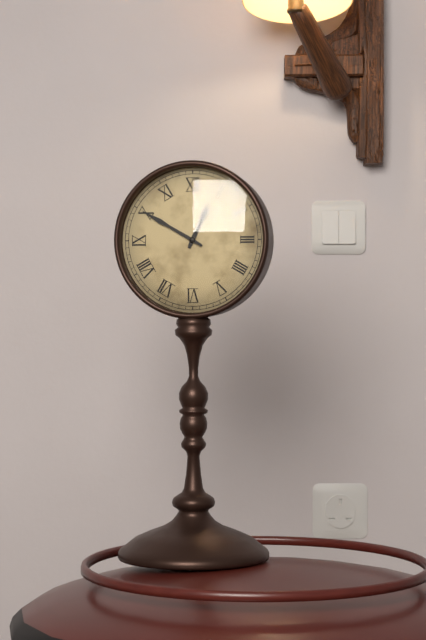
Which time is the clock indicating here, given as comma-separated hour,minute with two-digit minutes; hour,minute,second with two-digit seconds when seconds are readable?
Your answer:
12,50
